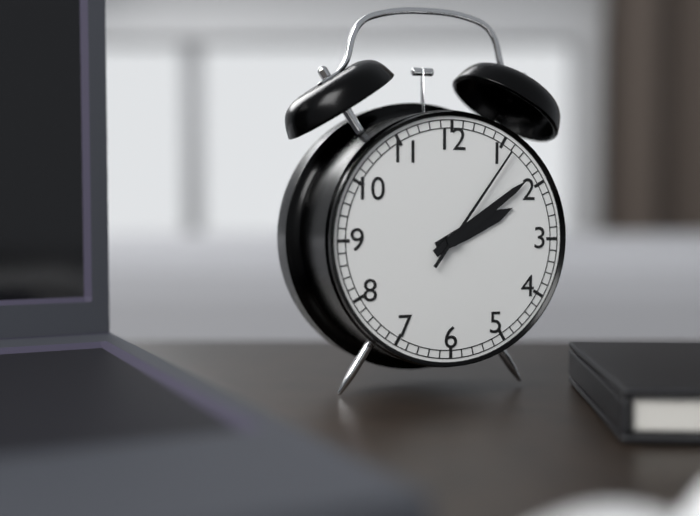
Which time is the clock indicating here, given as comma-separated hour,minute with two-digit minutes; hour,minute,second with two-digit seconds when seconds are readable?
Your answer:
2,09,06
